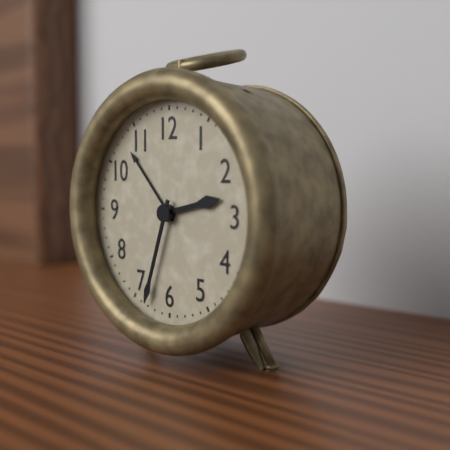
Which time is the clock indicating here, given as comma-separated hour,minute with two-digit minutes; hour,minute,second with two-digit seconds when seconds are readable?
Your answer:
2,33
